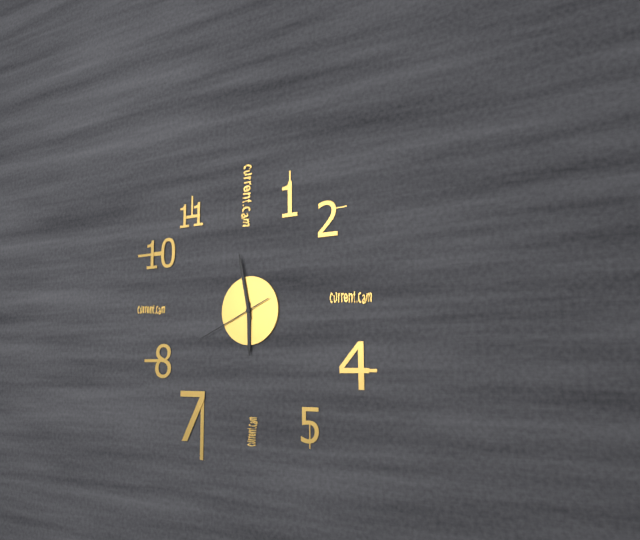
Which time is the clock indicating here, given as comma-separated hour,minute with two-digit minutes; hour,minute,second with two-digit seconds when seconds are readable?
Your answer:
5,58,41
